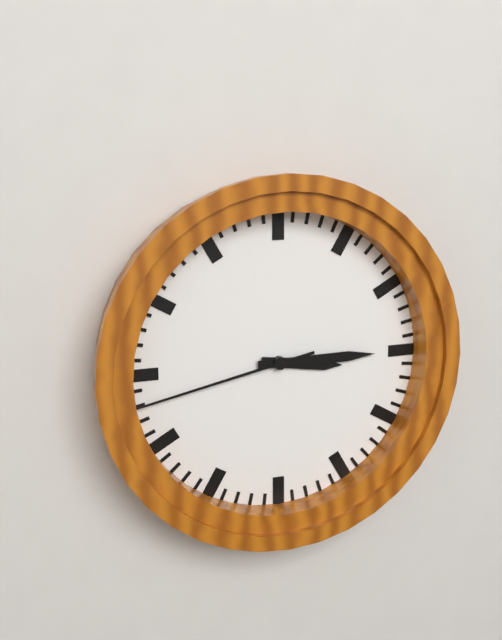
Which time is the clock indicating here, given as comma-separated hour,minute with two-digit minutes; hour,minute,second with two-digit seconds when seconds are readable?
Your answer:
3,15,43
